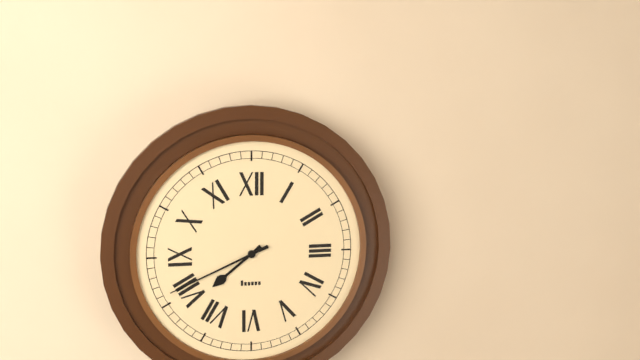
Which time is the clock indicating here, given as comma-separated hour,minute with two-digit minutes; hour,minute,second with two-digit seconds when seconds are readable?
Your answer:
7,41
